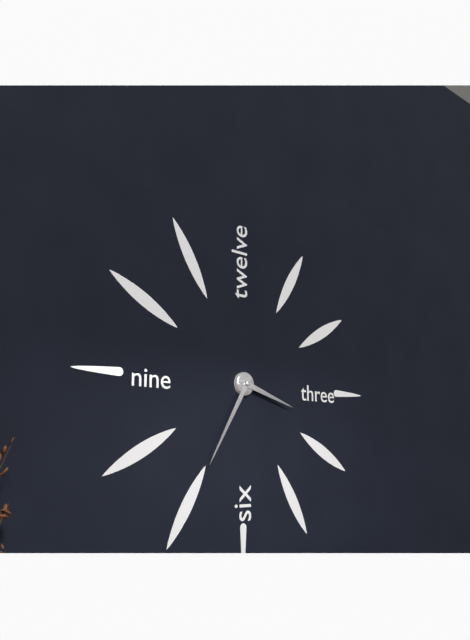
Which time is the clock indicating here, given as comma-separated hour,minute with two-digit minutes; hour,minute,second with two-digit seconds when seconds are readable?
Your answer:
3,35
